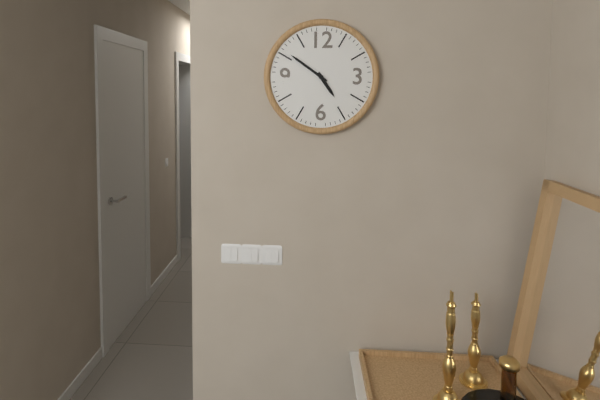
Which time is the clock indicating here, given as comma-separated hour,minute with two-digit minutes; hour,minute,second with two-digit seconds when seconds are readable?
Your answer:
4,51
